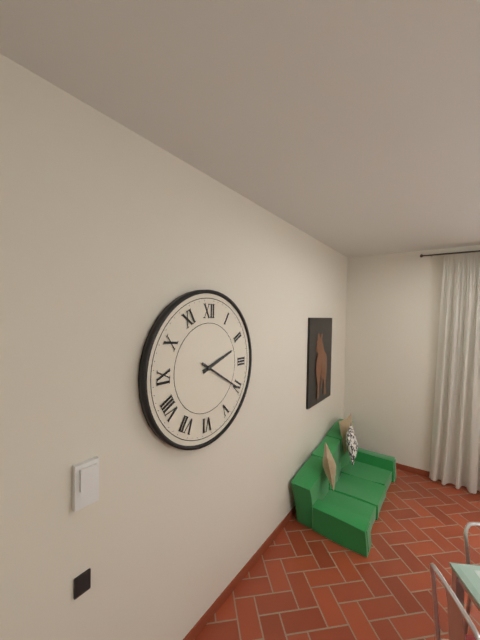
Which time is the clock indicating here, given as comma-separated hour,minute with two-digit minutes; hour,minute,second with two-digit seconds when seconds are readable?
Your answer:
2,20
